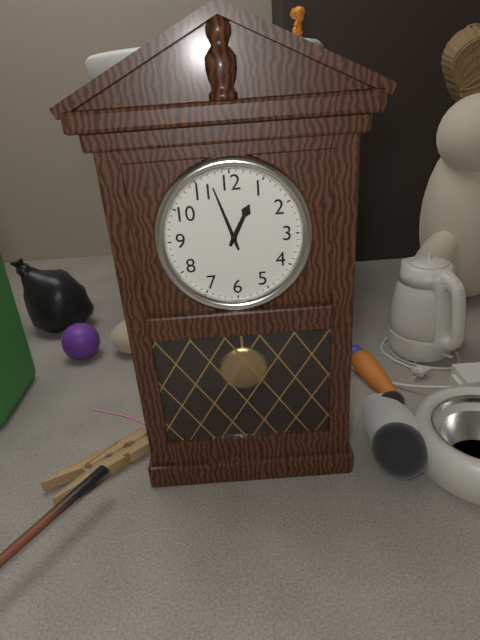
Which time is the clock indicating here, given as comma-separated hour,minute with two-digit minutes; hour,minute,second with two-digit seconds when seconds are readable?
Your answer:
12,57
